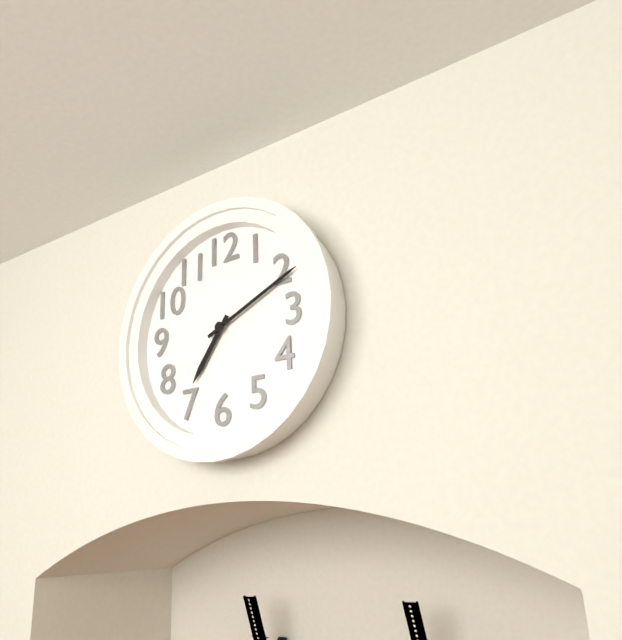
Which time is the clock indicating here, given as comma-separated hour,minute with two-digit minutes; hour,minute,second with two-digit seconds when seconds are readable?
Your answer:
7,11
